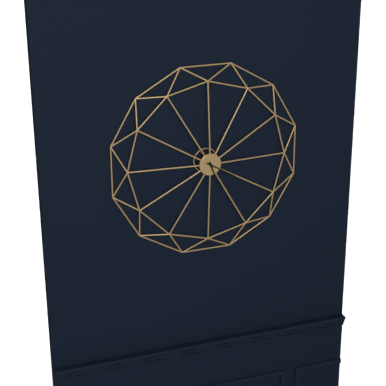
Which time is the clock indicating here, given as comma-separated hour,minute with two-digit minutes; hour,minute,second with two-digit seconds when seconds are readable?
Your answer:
5,20
